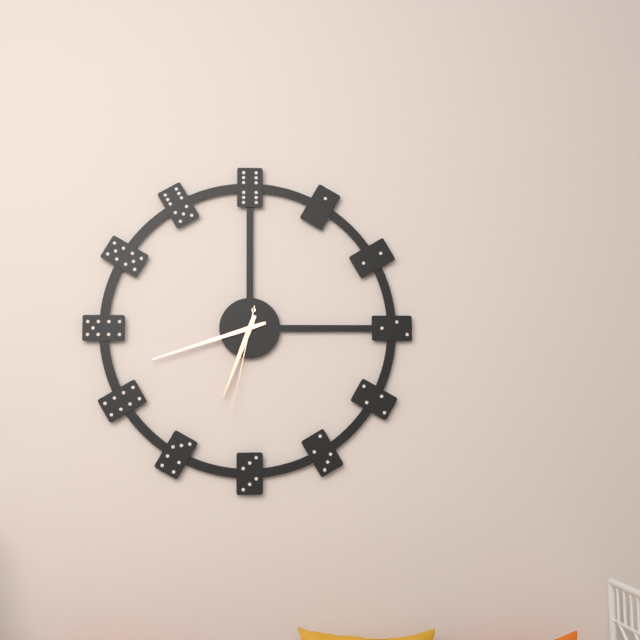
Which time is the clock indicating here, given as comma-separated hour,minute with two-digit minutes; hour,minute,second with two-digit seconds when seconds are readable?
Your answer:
6,42,32
